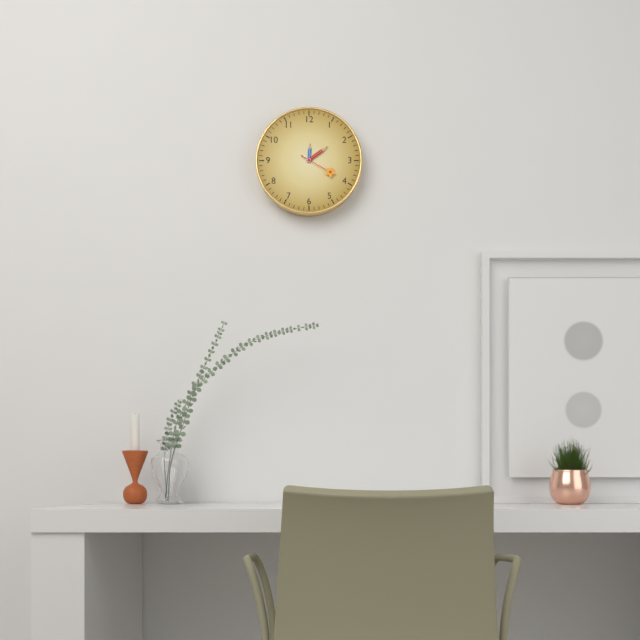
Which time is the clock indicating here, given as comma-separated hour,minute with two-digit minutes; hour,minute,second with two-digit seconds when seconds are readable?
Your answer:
12,09
